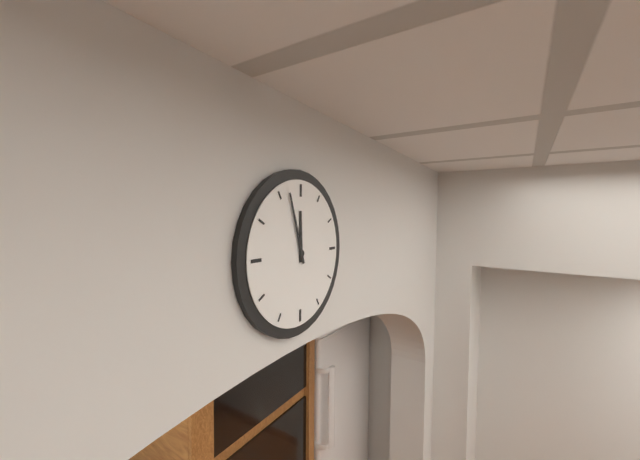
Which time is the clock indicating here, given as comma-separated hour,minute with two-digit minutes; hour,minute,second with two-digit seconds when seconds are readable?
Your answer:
11,57
